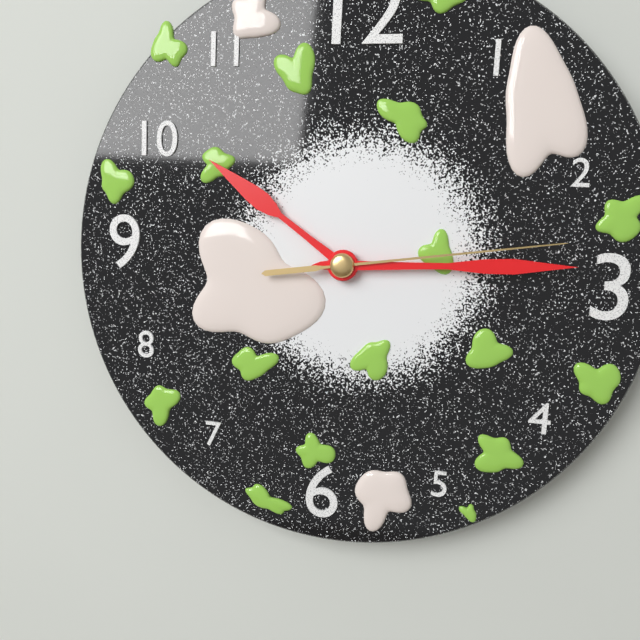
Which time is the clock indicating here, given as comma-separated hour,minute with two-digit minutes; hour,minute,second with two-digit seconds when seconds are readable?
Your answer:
10,15,14
